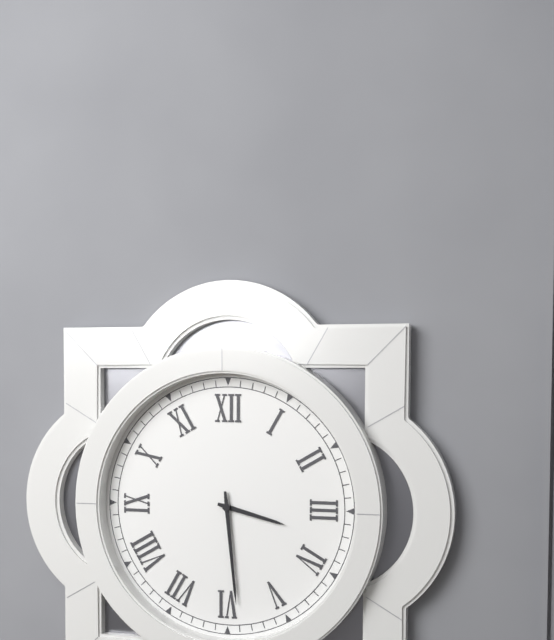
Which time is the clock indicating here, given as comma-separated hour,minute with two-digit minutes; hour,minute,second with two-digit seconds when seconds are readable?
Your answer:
3,29
